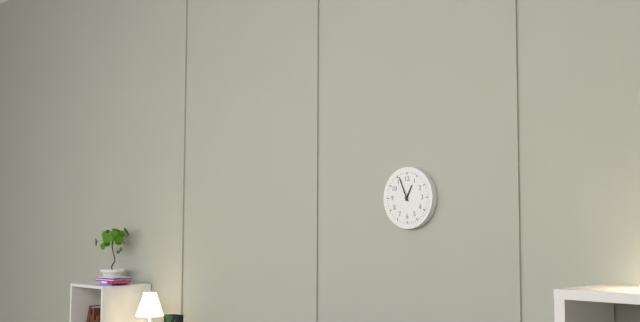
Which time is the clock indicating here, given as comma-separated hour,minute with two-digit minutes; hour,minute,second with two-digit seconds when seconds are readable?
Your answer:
12,56
